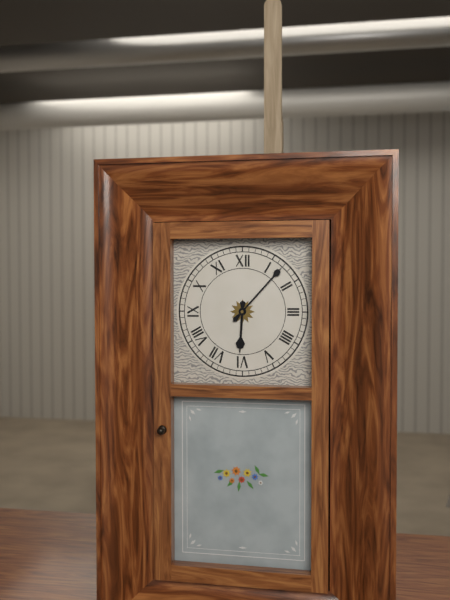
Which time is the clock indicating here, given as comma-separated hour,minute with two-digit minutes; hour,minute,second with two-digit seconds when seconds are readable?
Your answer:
6,07
